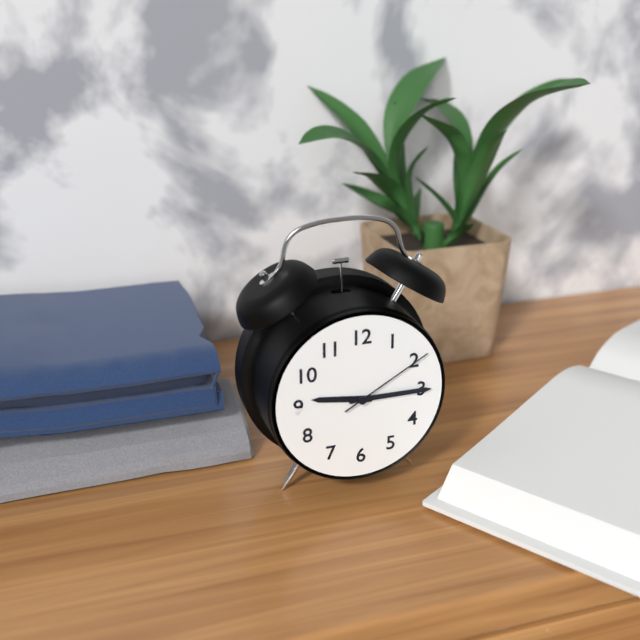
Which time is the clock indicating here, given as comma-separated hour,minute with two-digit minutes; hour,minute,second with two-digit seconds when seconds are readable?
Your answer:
9,15,10
